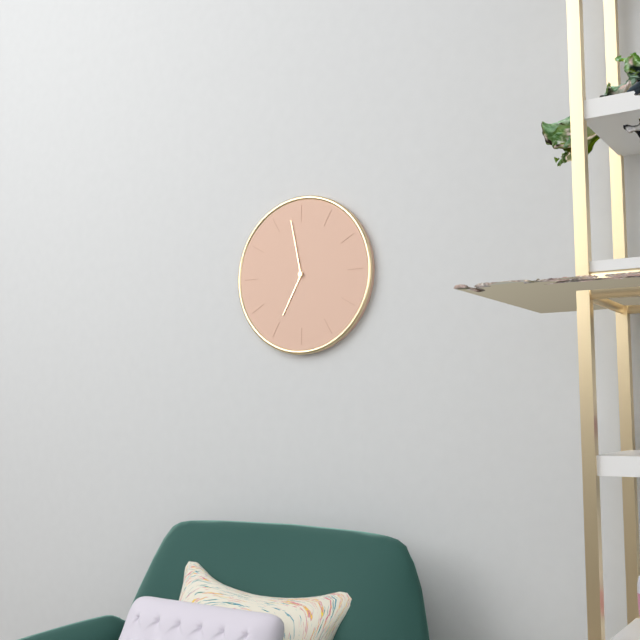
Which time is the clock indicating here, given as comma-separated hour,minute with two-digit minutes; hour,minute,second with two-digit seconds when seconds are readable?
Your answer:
6,58
